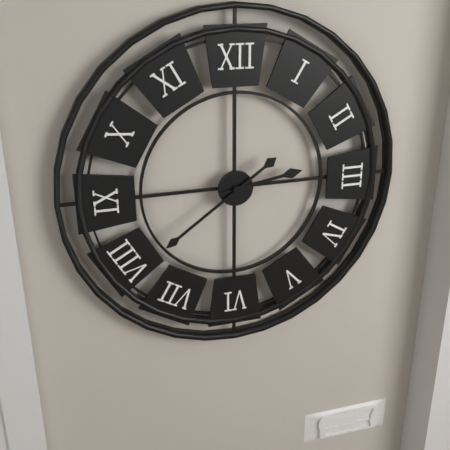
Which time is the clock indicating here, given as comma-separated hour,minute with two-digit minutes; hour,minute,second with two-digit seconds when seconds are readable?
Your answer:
2,39
